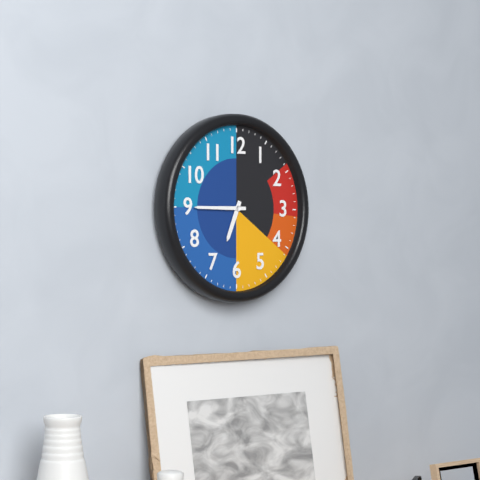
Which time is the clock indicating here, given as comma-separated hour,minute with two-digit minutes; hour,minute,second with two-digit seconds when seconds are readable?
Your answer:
6,45
